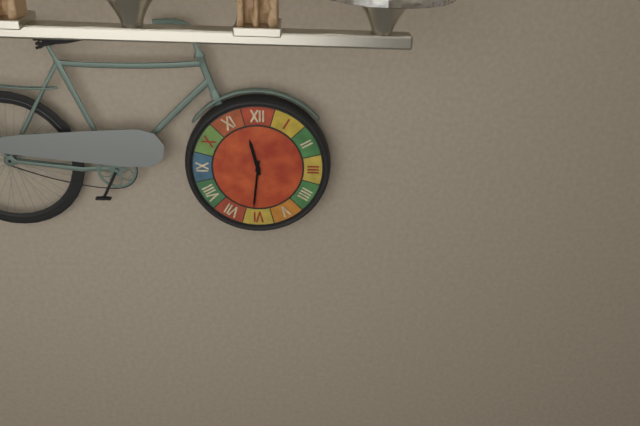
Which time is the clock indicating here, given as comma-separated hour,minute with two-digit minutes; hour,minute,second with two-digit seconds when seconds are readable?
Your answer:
11,31
